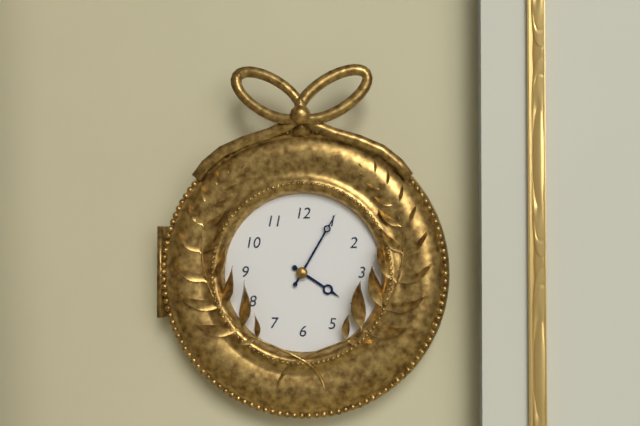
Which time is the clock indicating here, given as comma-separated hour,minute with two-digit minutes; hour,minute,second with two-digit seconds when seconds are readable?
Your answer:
4,05
